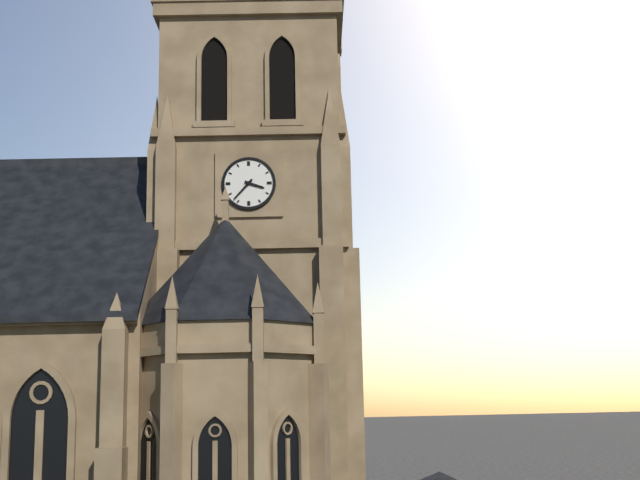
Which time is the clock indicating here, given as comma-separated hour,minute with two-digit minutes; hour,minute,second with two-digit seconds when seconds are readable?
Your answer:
3,37
